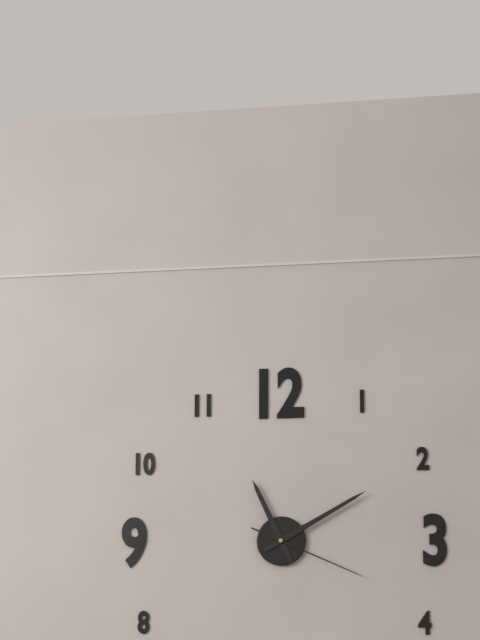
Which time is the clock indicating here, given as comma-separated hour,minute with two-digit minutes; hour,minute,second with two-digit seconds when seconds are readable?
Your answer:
11,10,19
